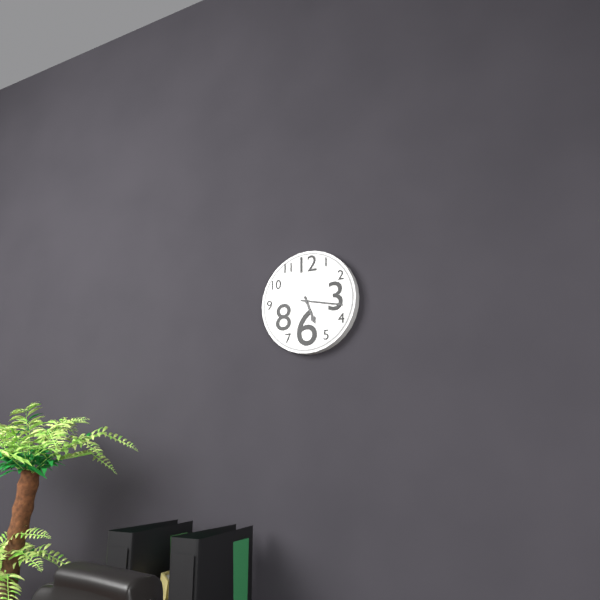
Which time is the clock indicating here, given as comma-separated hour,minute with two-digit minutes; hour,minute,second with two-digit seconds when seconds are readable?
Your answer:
5,17
